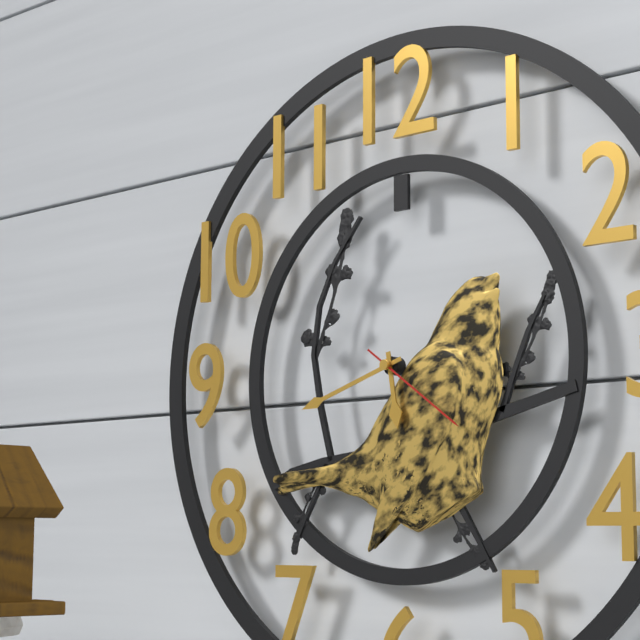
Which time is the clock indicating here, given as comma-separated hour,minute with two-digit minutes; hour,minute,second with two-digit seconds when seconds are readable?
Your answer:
5,42,21
